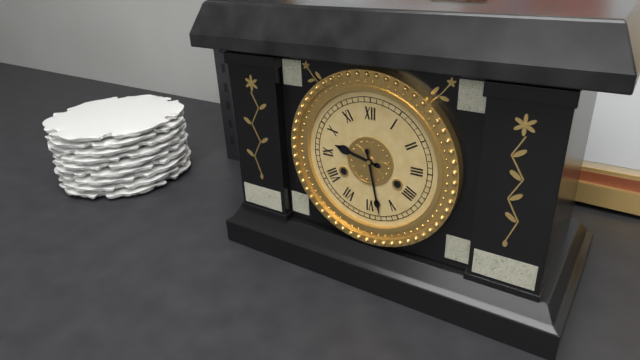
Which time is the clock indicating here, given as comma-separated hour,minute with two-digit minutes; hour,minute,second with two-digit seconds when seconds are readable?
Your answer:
9,28
